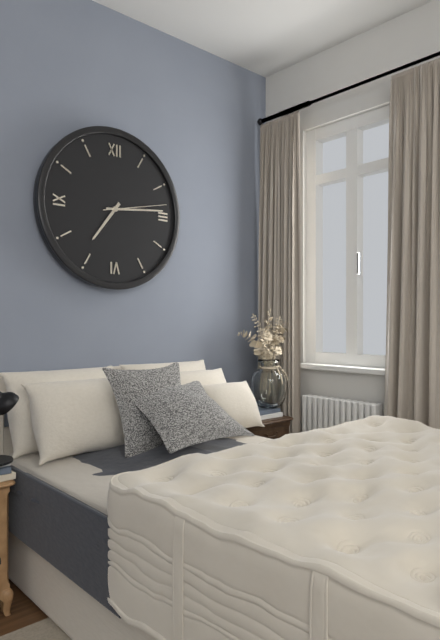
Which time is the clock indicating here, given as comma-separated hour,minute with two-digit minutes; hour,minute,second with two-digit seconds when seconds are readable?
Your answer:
7,14,13
